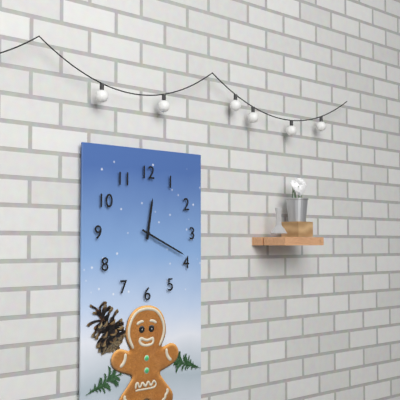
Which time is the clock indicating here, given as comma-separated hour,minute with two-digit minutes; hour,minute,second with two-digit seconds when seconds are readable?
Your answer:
12,19
